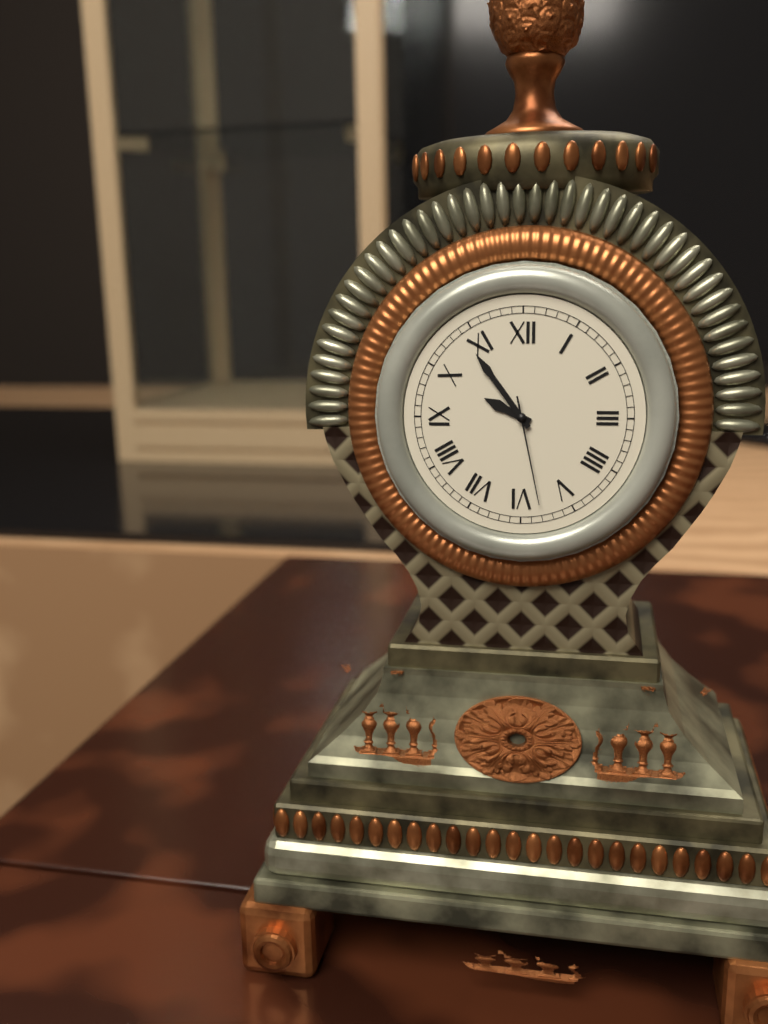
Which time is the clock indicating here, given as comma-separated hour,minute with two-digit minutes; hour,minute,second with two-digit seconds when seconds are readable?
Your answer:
9,54,28
